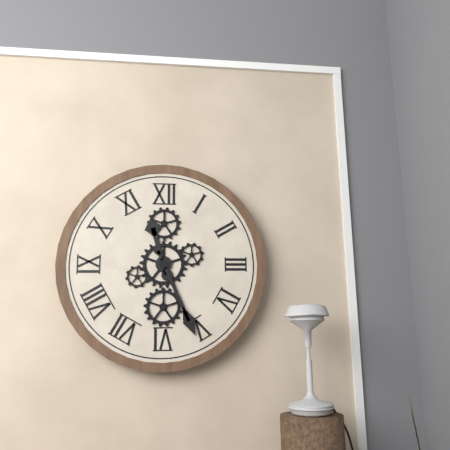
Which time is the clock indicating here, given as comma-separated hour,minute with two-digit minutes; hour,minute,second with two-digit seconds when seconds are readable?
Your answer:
11,26
